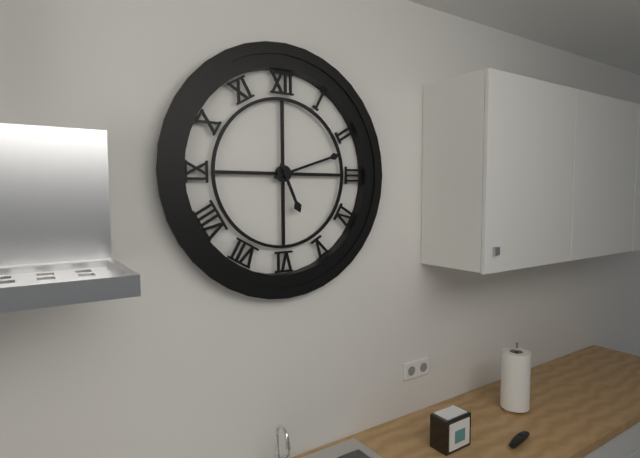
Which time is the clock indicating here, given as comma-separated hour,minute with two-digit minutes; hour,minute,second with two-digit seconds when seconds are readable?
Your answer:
5,12
